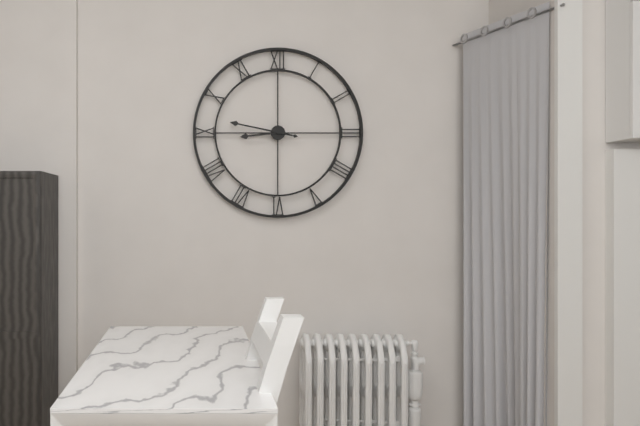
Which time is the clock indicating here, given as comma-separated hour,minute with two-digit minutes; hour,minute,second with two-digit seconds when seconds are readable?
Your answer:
8,47
